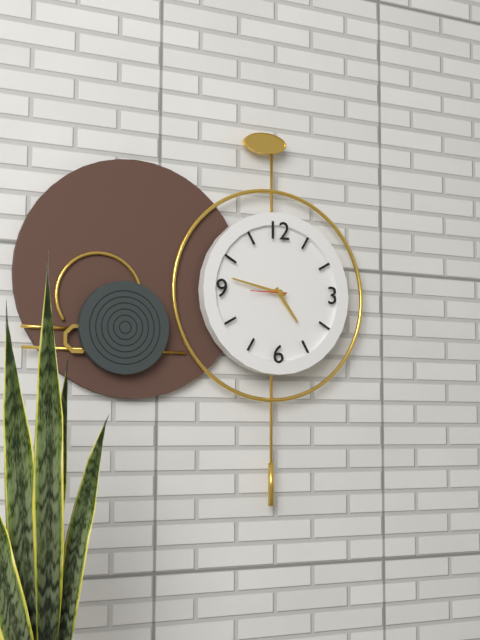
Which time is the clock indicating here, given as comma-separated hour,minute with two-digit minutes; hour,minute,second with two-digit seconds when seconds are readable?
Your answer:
4,47
